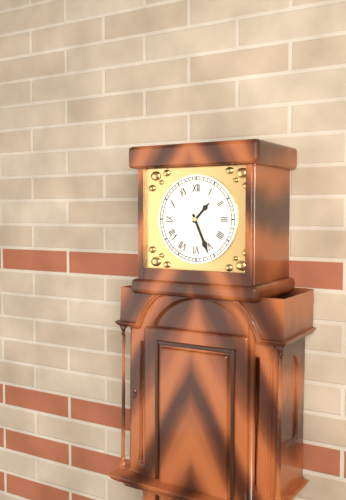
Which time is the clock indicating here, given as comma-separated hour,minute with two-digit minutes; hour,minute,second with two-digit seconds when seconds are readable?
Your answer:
1,26
